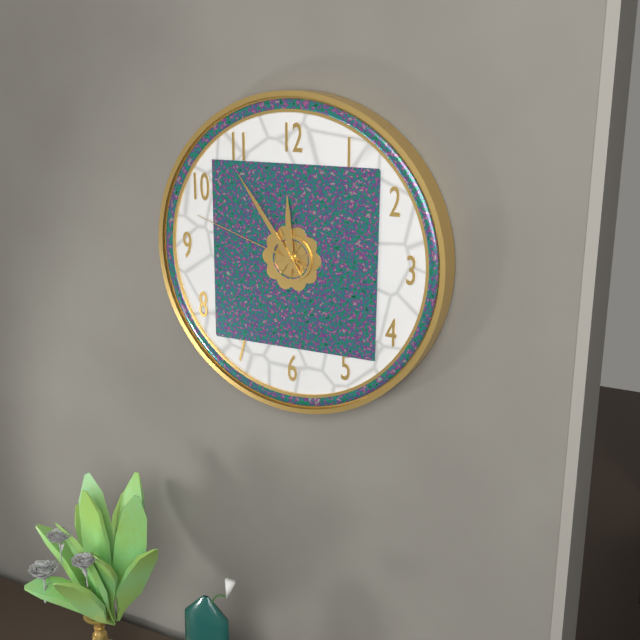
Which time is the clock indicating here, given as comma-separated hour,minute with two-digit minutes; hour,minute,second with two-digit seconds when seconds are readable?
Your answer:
11,54,48
